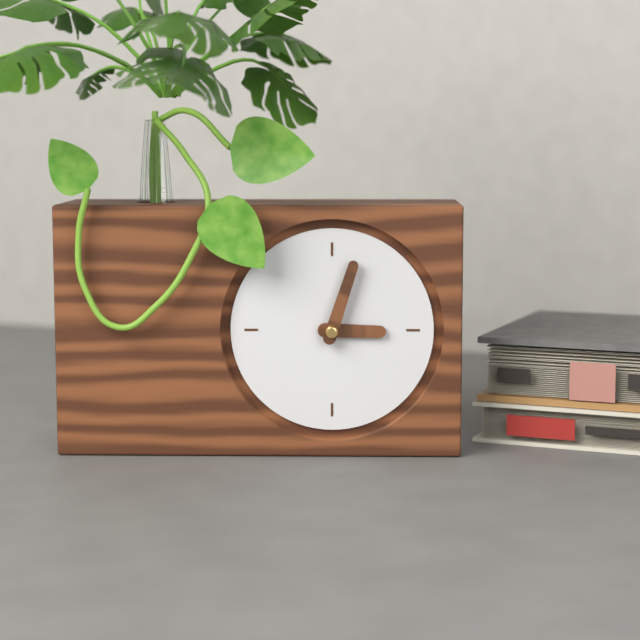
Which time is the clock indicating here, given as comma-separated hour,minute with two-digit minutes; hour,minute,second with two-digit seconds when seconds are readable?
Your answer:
3,03
